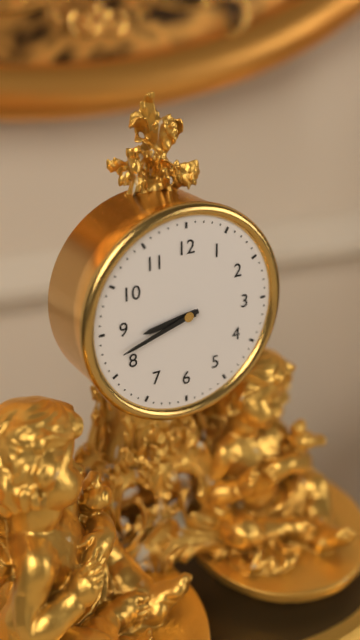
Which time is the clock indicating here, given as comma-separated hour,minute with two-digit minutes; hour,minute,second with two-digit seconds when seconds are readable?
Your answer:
8,42
